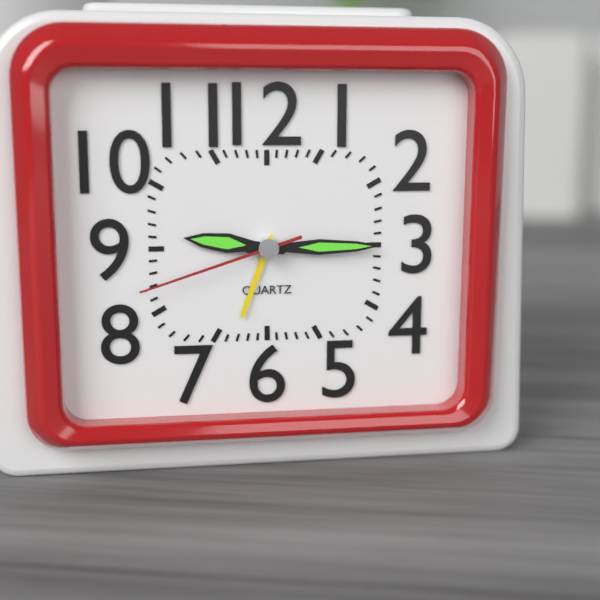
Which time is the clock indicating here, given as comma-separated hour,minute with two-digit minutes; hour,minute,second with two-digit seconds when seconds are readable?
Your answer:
9,15,42
